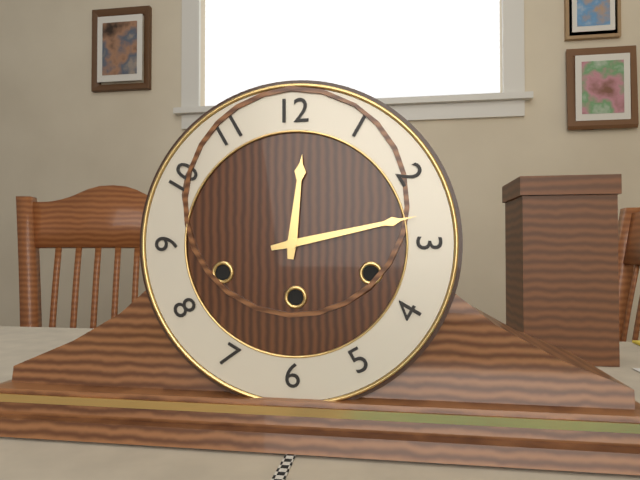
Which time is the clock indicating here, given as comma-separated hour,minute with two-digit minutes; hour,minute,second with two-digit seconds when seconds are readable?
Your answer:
12,13
